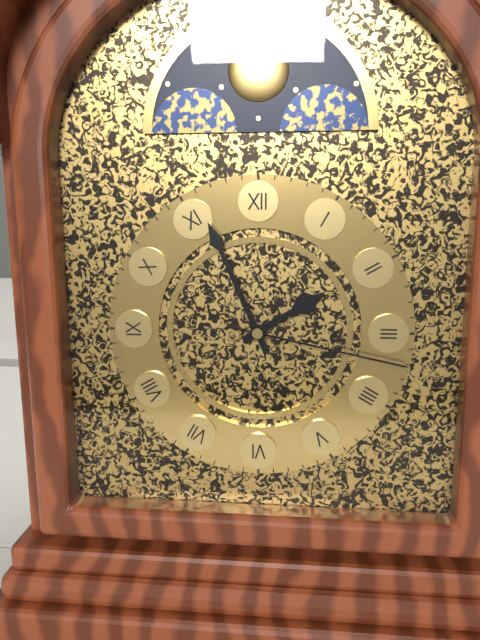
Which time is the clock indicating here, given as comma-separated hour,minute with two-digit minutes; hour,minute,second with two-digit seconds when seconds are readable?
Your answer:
1,56,17
